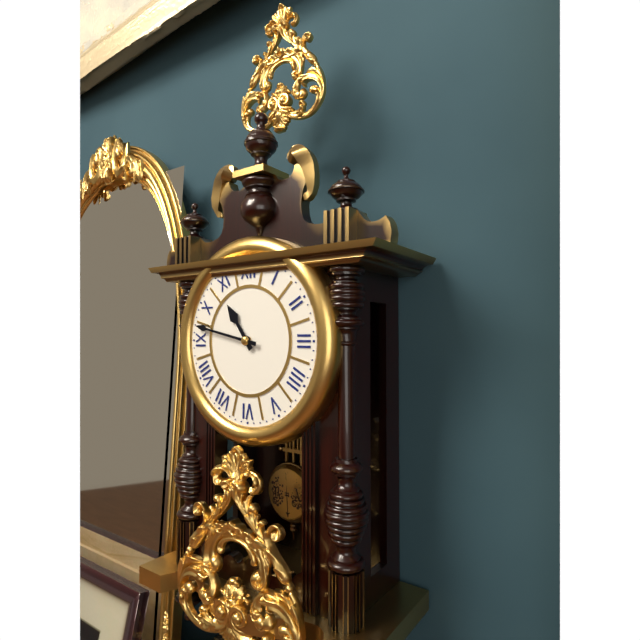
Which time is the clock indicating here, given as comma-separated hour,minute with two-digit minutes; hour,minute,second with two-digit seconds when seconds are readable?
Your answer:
10,47
